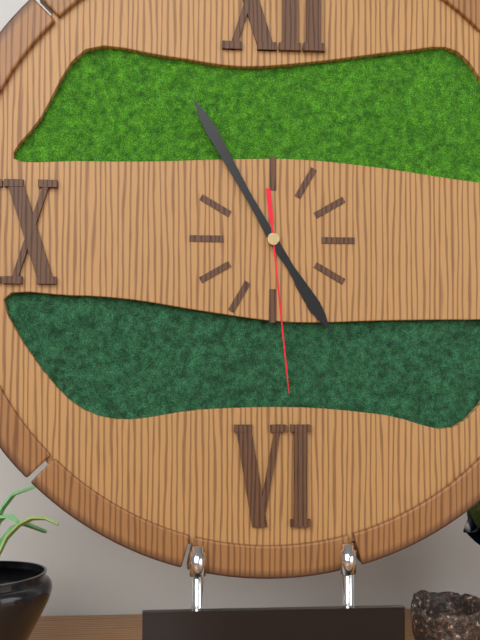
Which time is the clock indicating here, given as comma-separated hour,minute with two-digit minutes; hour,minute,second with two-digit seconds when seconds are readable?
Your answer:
4,55,29
